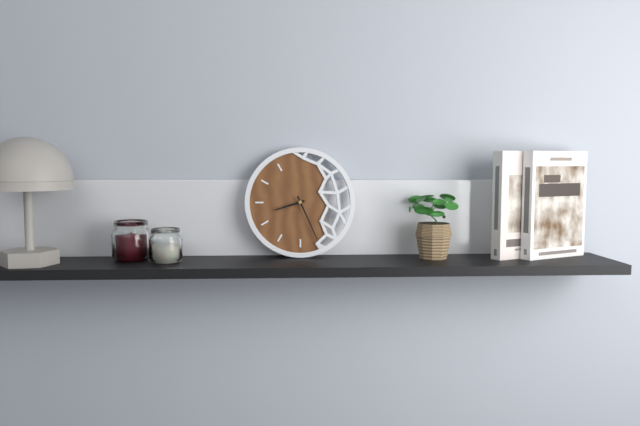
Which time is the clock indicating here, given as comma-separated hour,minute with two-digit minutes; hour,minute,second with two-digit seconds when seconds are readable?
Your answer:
8,26
